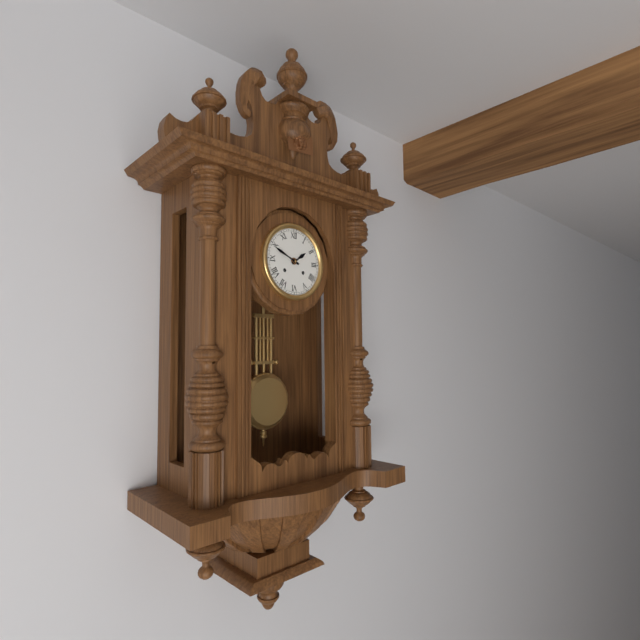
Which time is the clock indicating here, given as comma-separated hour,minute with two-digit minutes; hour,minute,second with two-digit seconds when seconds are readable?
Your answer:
1,49
